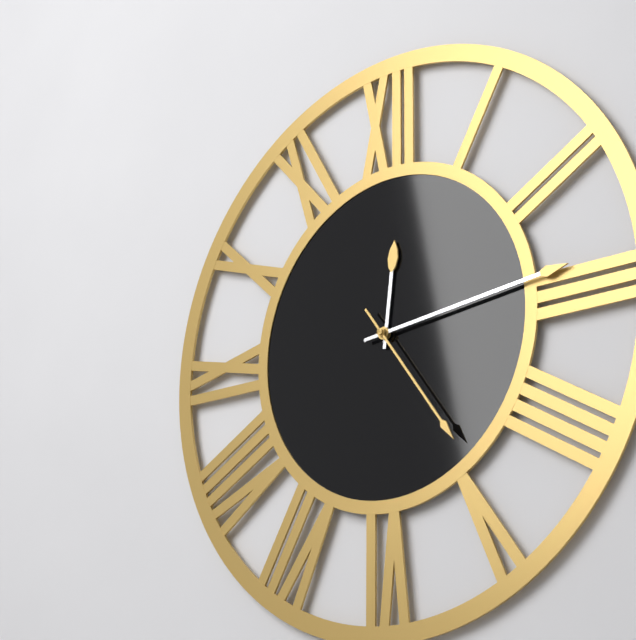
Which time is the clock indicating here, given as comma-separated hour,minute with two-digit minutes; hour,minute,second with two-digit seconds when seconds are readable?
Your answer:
12,14,24
